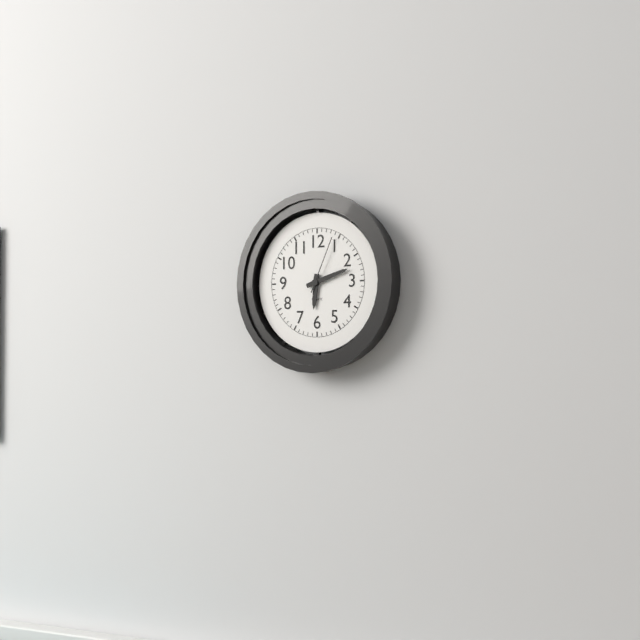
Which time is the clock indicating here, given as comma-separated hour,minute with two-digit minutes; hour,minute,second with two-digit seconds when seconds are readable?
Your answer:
6,12,04
